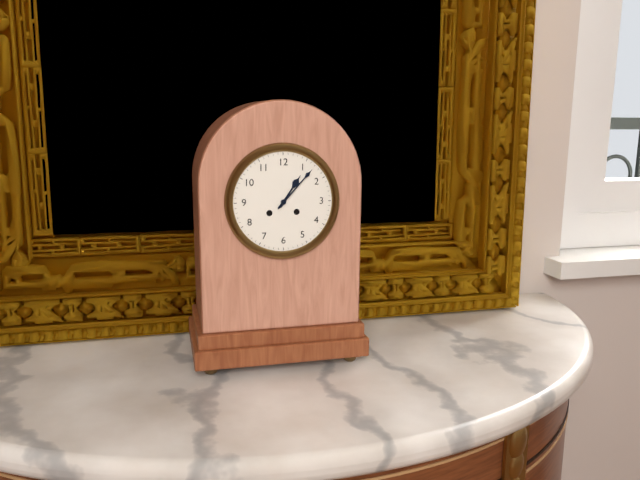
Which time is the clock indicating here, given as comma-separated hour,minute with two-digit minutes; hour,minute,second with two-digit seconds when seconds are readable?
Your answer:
1,07
